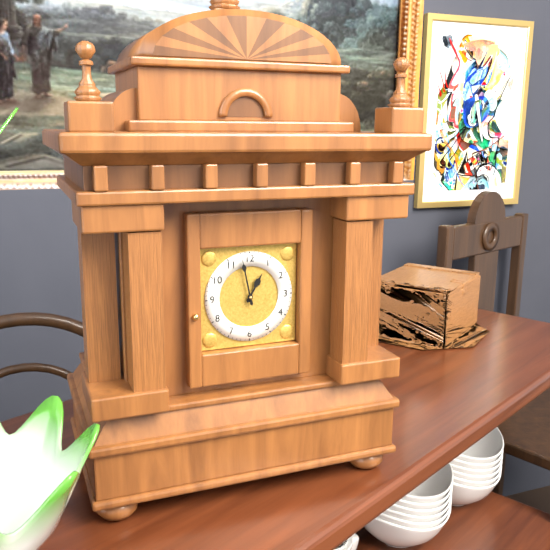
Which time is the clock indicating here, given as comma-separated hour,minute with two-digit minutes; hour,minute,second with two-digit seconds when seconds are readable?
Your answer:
12,58
